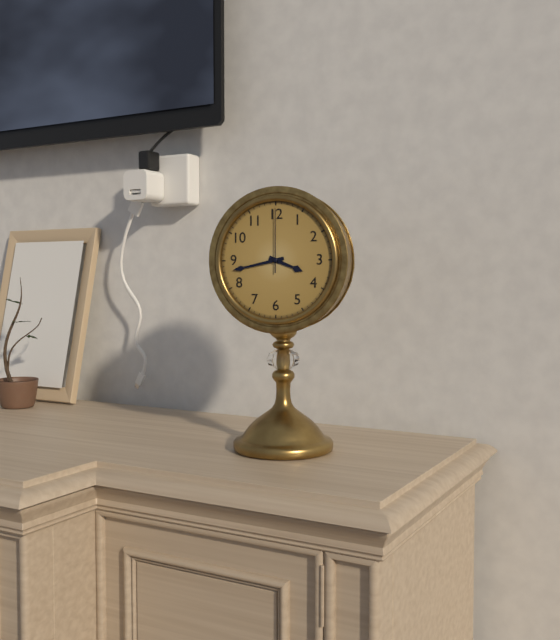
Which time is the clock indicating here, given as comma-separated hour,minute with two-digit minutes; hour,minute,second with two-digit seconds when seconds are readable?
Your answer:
3,43,00
